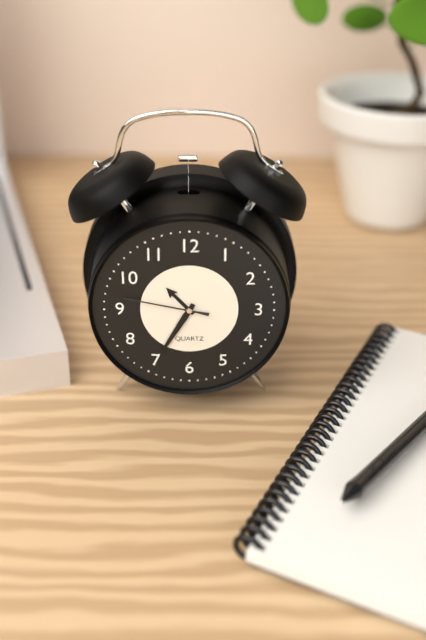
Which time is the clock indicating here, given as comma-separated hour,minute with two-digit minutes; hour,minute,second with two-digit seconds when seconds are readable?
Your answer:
10,35,47
